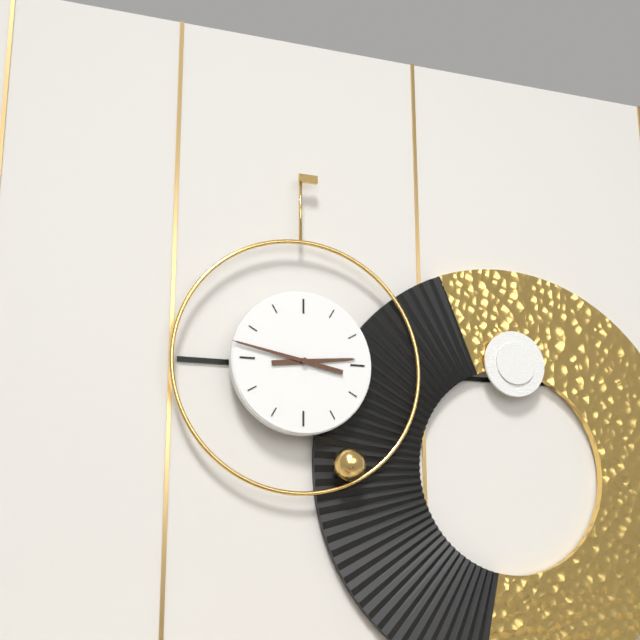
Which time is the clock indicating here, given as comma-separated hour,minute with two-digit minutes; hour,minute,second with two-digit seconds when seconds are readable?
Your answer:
2,47
